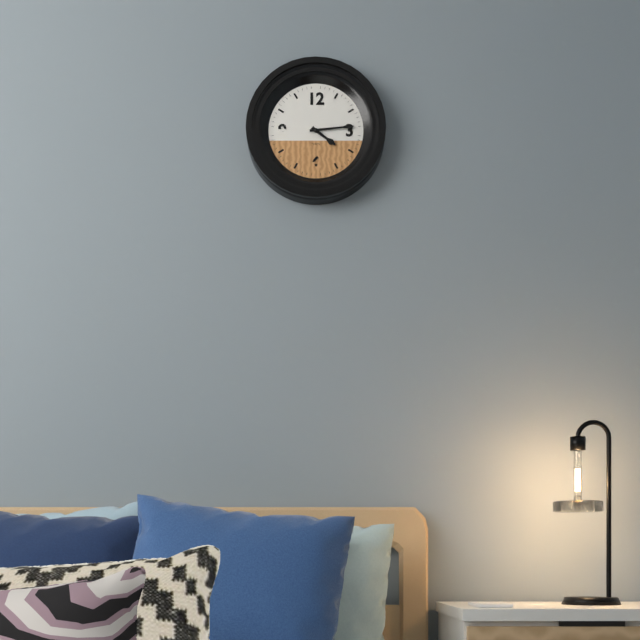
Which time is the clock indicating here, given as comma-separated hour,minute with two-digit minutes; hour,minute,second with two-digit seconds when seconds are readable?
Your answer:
4,14
